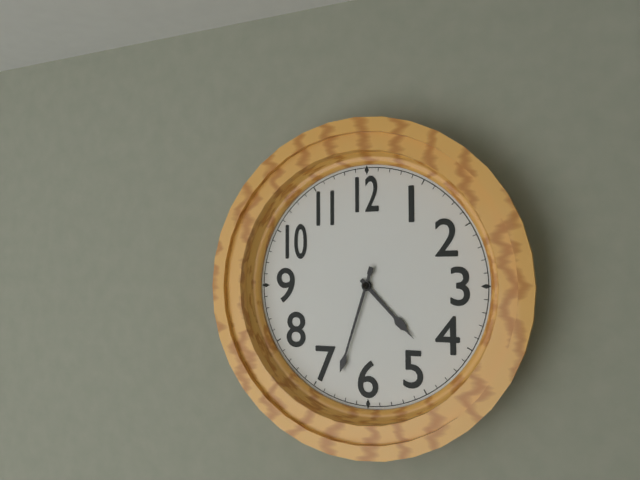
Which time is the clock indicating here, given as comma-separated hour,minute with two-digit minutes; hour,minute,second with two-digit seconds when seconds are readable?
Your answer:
4,33
